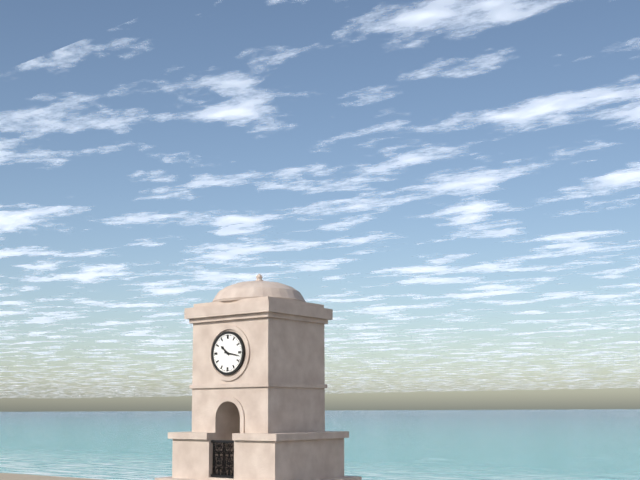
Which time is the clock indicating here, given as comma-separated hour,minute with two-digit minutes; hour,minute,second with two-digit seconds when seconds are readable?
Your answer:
10,17
